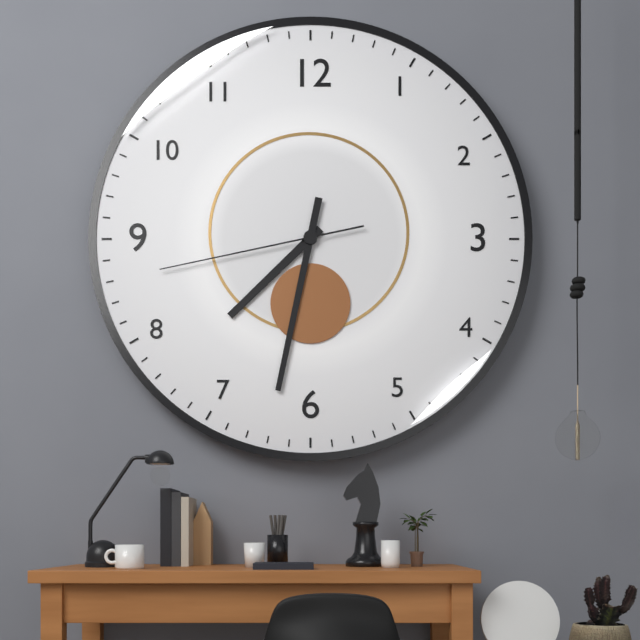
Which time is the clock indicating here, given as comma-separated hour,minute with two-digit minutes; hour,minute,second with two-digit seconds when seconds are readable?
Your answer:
7,32,43
